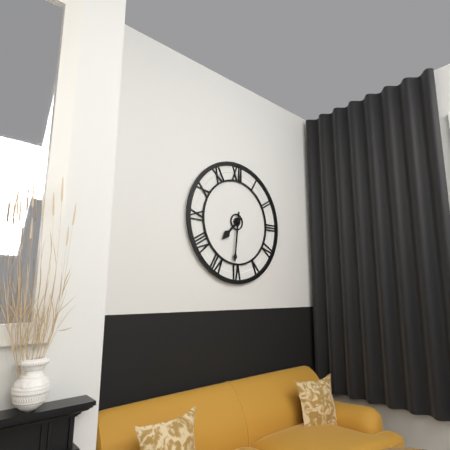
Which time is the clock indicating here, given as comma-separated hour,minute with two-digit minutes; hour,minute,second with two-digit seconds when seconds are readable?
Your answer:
7,31
